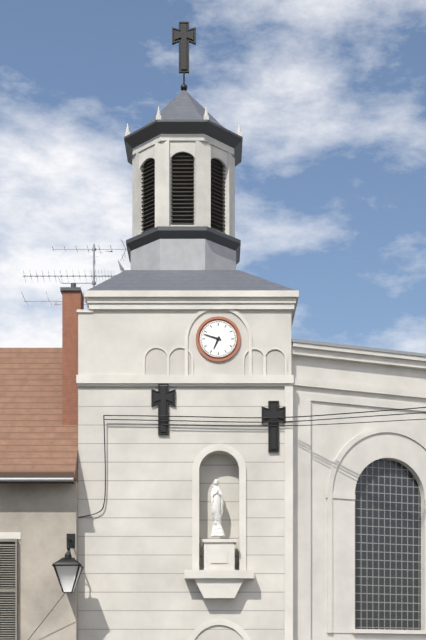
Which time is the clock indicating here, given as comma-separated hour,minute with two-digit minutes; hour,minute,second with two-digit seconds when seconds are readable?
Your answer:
6,48
